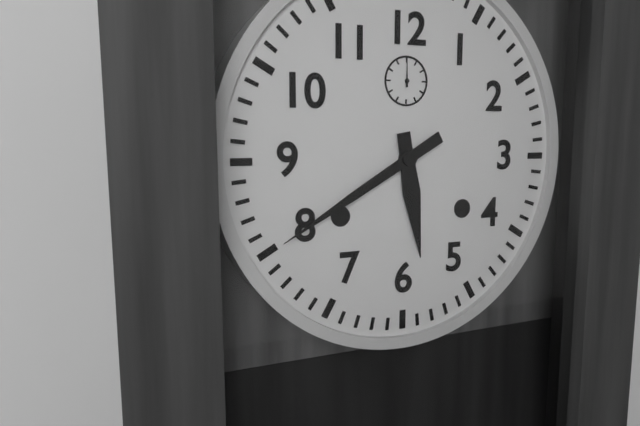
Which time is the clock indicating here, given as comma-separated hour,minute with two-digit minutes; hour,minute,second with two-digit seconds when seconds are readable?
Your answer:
5,40
